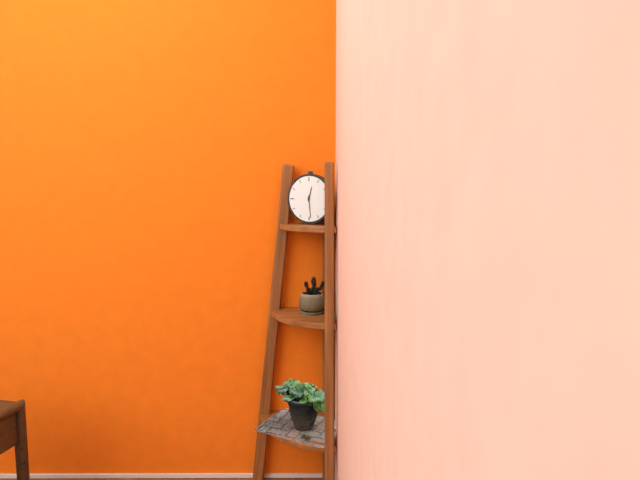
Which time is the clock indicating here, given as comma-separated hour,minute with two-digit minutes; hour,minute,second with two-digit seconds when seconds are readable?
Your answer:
12,29
